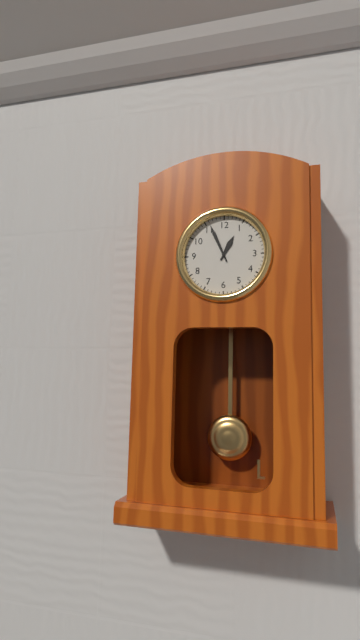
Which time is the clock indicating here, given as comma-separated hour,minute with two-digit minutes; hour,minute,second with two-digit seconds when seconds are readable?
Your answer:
12,56
